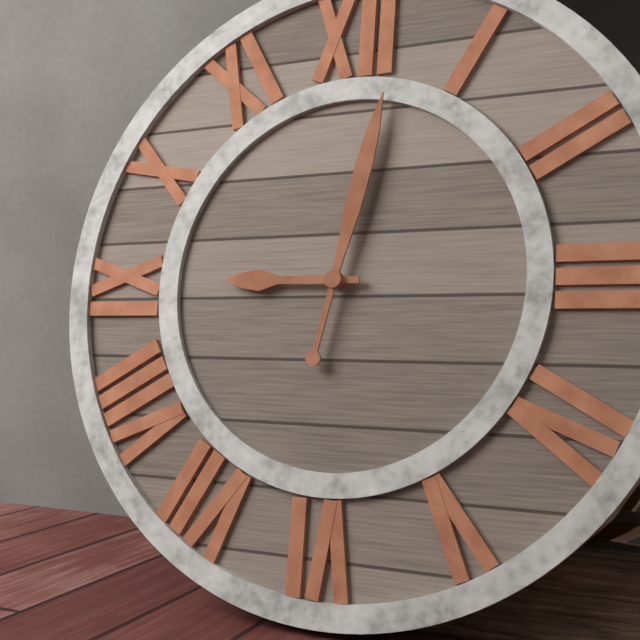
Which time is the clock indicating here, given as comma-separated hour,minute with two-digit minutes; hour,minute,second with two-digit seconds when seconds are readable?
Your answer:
9,02
